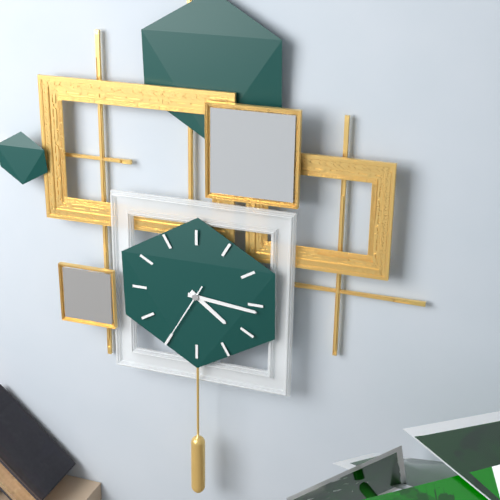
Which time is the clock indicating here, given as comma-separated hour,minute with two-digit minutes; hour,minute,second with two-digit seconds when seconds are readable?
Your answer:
4,16,35
